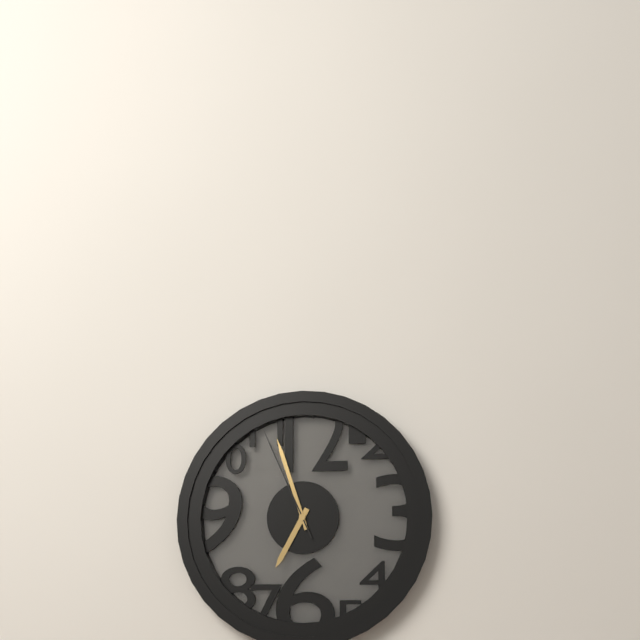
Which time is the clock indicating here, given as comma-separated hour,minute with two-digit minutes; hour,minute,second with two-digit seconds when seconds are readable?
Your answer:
6,57,56
